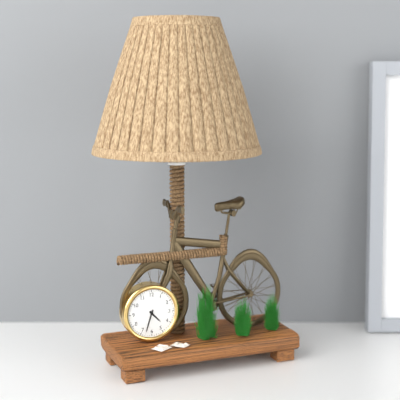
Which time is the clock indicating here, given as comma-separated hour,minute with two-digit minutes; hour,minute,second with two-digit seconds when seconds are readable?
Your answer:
4,33
